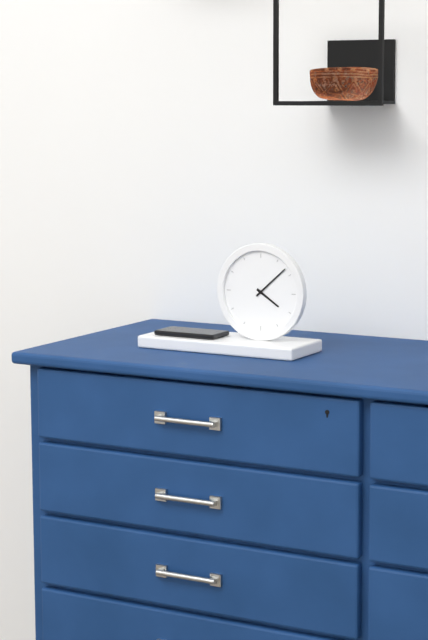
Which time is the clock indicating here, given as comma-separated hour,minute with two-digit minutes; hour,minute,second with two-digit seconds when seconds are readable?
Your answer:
4,08
